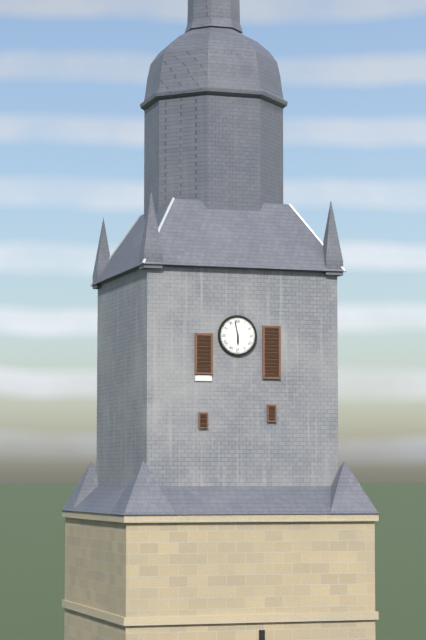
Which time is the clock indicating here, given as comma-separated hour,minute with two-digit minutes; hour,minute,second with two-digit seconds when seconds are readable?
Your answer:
5,58
